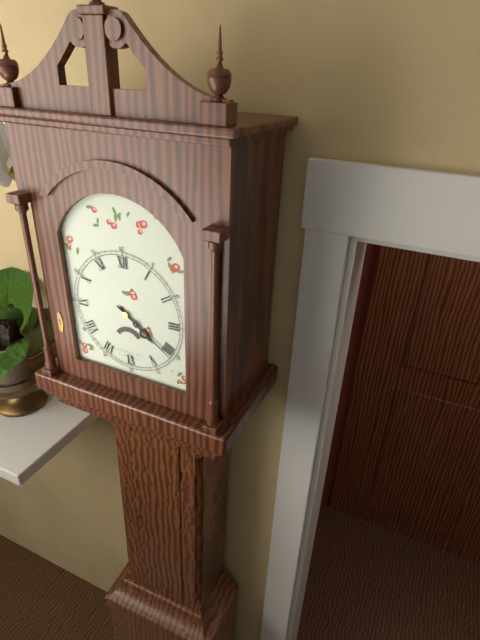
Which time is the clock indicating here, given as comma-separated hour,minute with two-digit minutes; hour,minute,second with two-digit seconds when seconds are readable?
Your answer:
4,21
